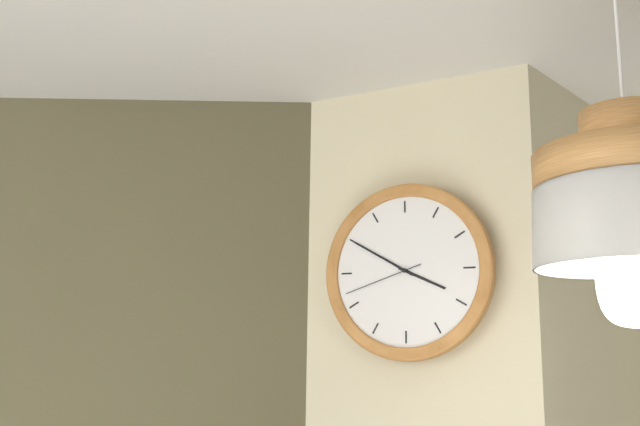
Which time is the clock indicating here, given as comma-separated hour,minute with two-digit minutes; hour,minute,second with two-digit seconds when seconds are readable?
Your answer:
3,50,42
